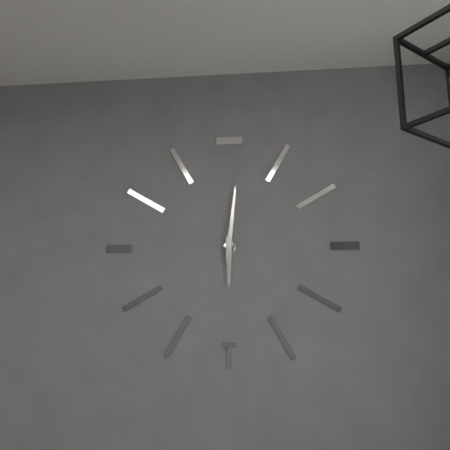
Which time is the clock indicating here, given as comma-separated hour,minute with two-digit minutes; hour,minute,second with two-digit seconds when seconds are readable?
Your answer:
6,01
